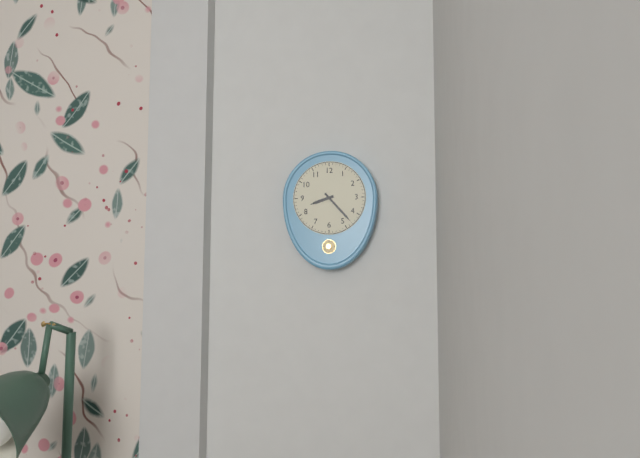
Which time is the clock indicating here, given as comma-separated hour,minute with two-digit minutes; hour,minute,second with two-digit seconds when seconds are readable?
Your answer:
8,23
